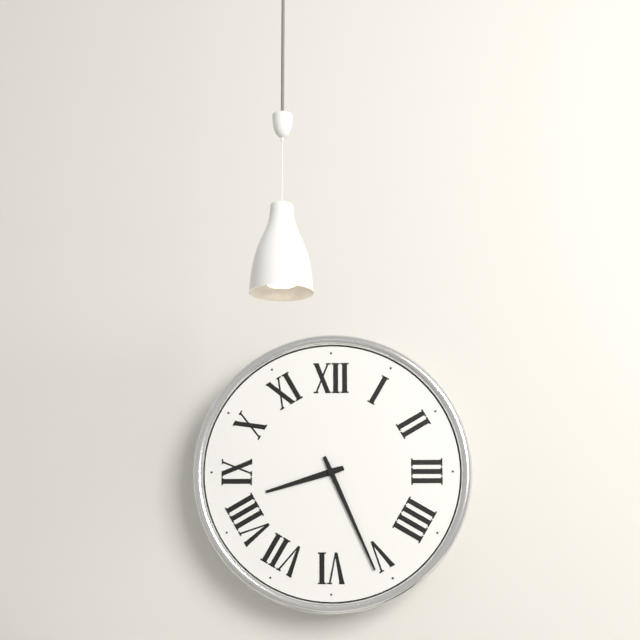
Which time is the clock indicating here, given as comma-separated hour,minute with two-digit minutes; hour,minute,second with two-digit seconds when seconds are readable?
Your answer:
8,26
